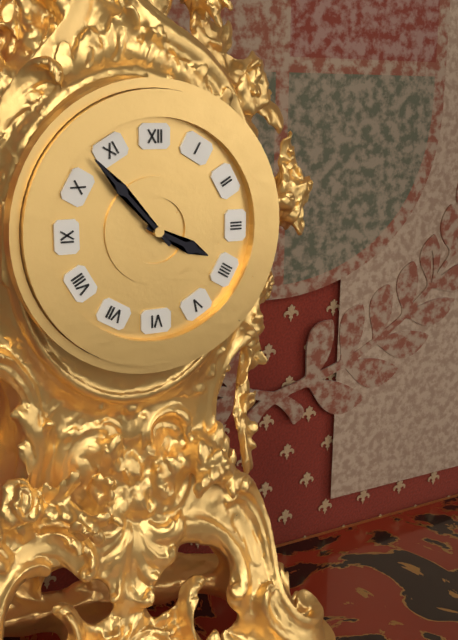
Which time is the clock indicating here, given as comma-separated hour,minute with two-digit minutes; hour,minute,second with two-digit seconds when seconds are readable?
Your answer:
3,53
